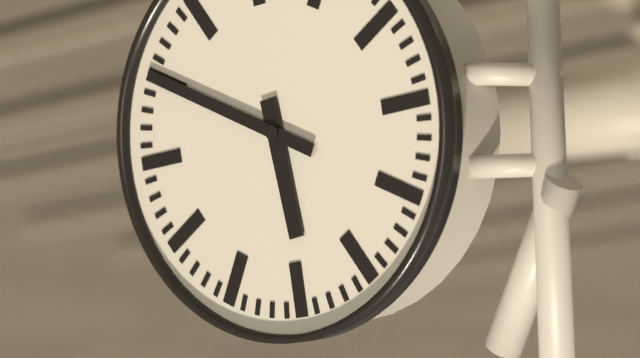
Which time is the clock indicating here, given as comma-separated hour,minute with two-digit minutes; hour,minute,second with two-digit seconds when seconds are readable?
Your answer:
5,50
